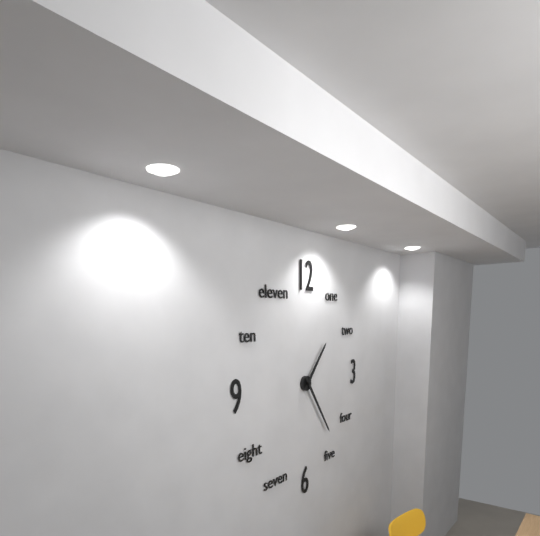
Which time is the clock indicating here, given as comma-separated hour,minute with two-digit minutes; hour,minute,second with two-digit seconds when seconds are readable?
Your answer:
1,24
